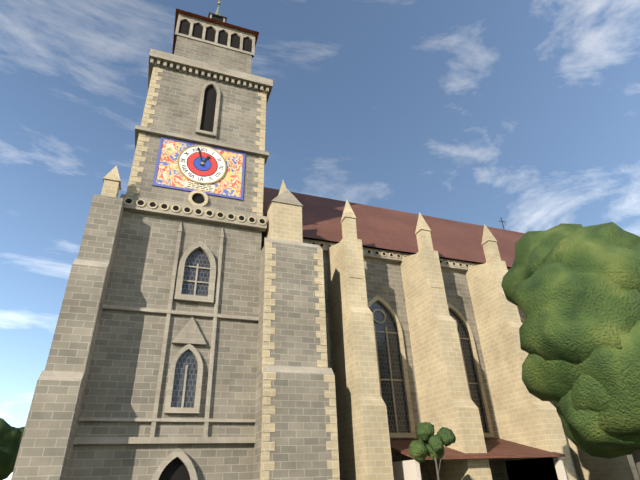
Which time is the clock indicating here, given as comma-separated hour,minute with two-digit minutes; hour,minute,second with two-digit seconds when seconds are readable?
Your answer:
12,57
